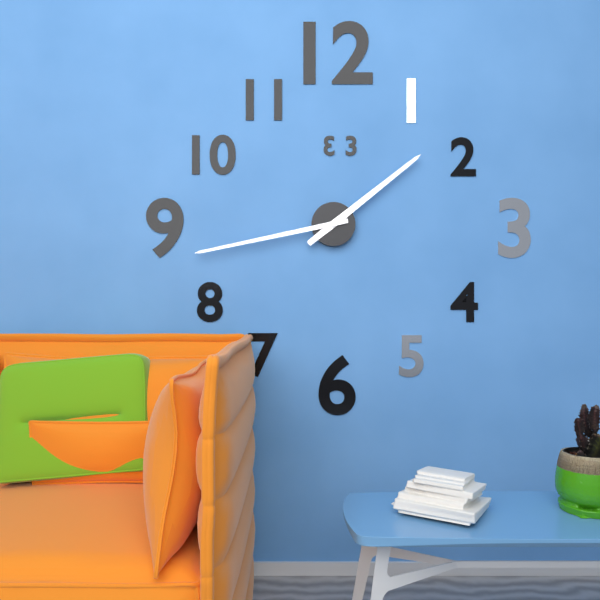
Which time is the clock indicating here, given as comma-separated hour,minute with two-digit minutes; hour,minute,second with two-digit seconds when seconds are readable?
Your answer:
1,43
